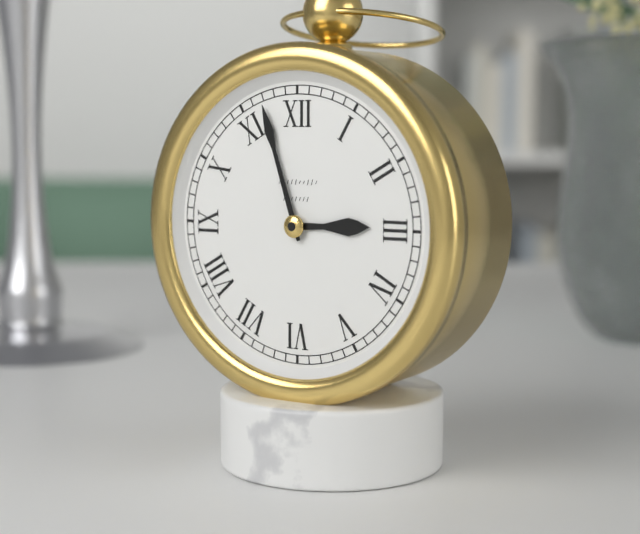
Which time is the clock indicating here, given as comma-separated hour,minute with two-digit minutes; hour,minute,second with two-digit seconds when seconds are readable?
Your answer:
2,57
